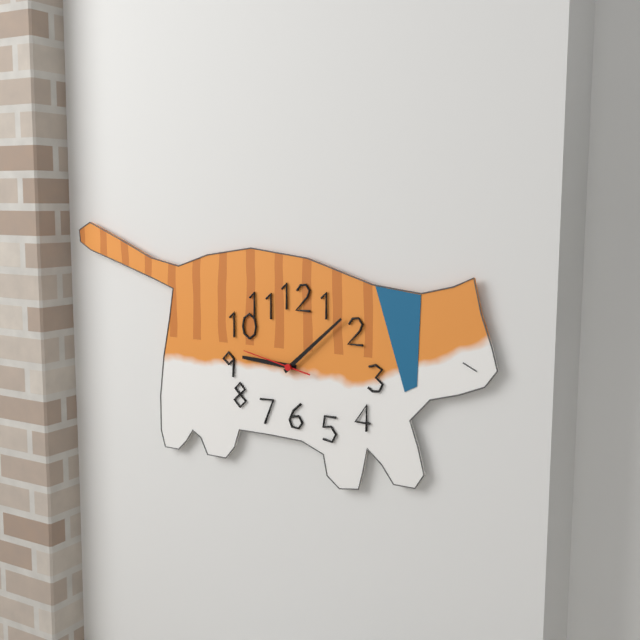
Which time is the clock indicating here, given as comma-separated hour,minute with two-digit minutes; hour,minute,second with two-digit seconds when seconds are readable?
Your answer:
9,08,47
